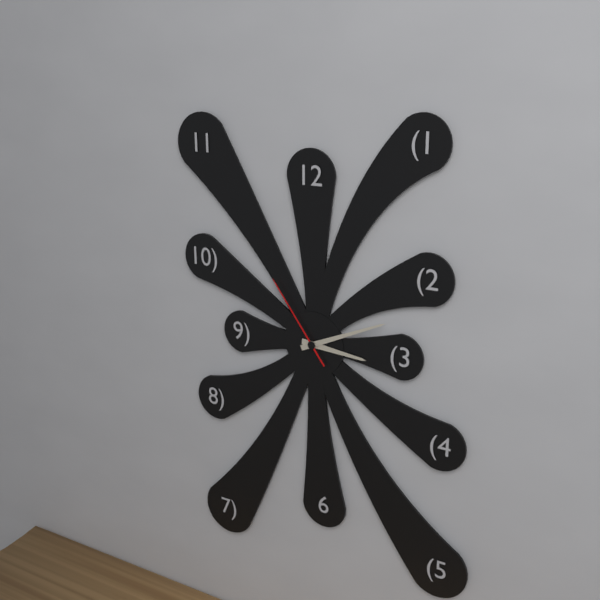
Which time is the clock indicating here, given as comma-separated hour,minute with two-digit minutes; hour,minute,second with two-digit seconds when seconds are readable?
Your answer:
3,11,54
